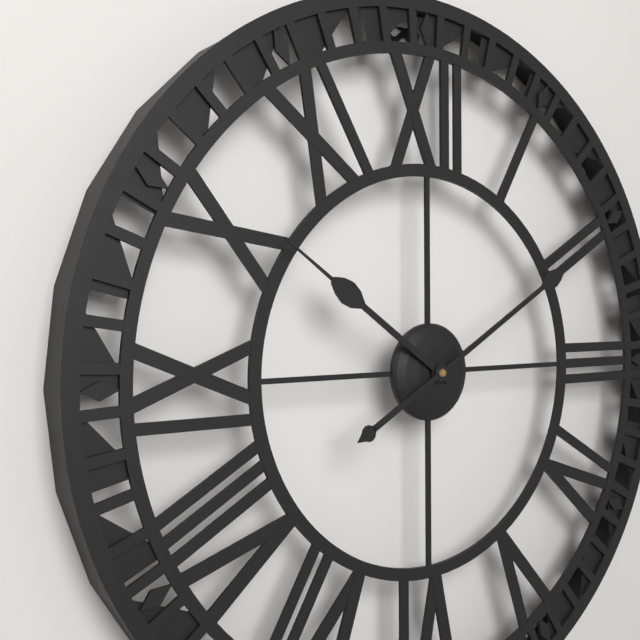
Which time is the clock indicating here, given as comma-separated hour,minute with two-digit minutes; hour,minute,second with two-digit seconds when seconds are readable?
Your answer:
10,10
